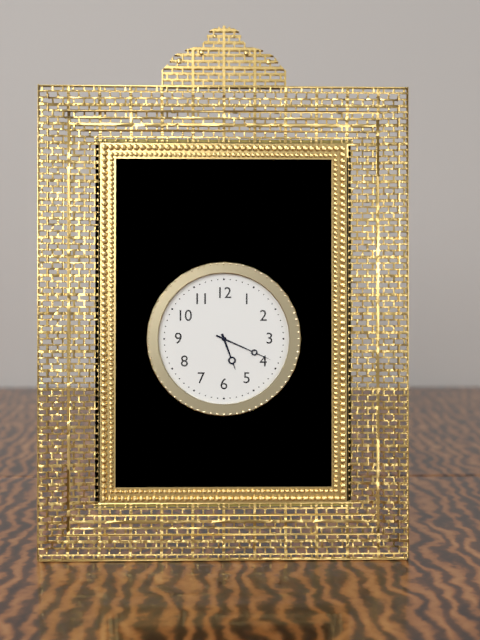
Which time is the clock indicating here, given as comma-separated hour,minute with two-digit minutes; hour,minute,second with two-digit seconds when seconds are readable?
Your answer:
5,19
